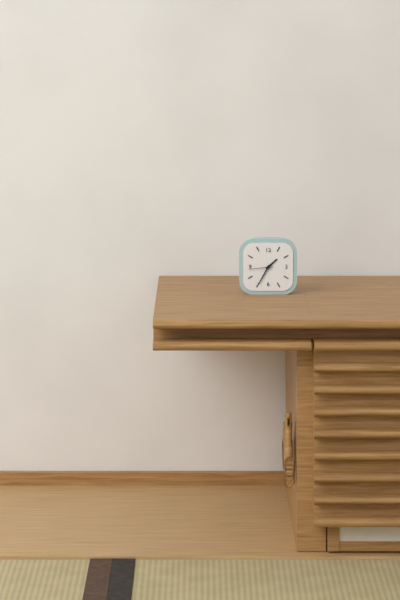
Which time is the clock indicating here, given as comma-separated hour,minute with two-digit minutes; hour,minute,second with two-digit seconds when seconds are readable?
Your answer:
1,35
